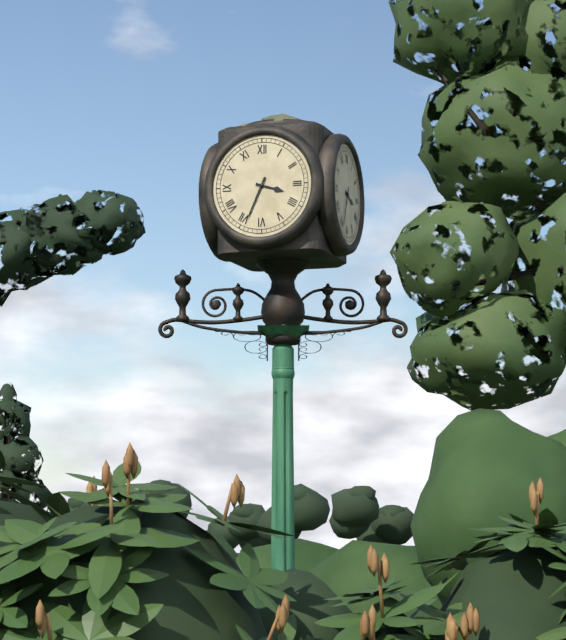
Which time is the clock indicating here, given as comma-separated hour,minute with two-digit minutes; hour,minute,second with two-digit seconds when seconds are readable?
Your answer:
3,34
